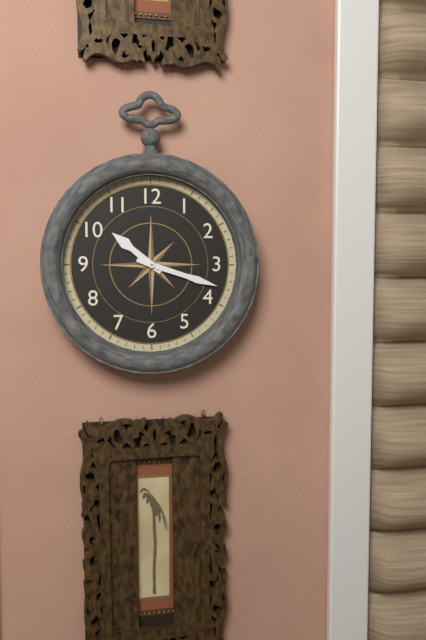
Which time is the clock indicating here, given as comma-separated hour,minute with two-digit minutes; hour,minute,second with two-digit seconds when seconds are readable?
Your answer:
10,18
